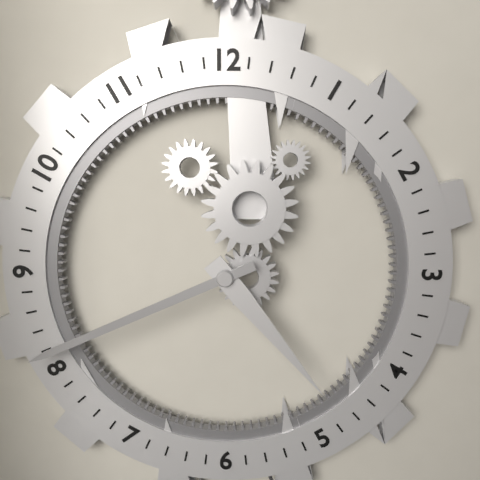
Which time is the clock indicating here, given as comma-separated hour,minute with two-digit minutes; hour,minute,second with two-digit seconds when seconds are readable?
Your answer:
4,41
